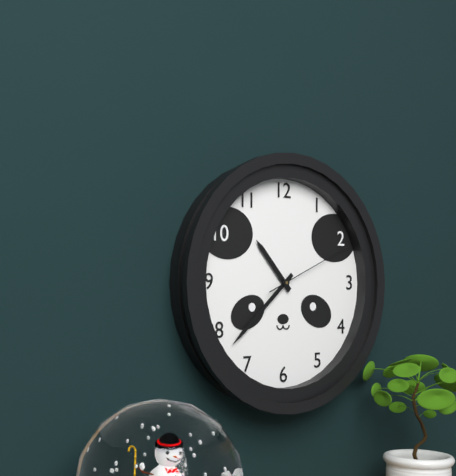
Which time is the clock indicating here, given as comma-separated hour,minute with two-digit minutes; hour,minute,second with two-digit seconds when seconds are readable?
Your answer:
10,38,11
